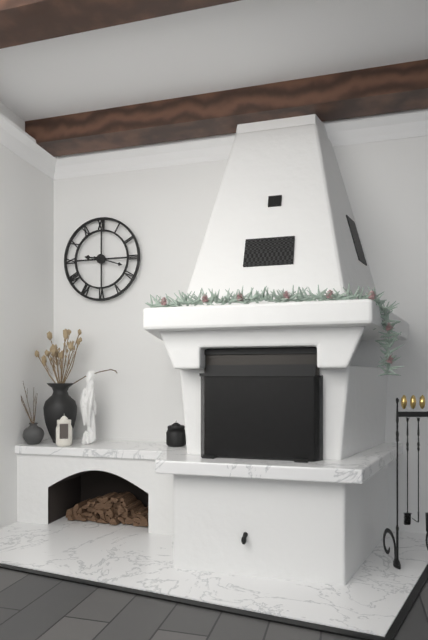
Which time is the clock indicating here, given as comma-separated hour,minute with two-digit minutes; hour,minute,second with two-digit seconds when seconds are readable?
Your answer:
9,18
